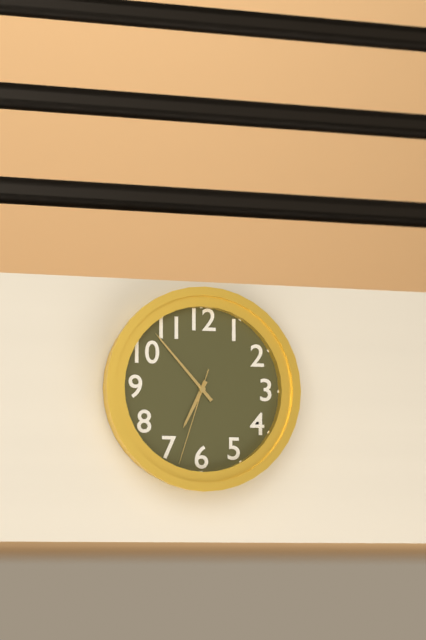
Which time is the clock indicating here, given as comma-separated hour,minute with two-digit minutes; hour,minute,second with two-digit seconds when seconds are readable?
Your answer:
6,53,33
